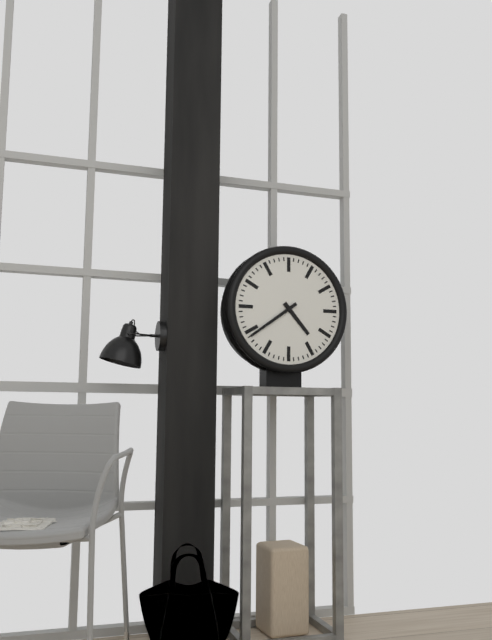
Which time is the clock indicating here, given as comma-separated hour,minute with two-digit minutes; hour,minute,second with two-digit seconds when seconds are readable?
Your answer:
4,39
